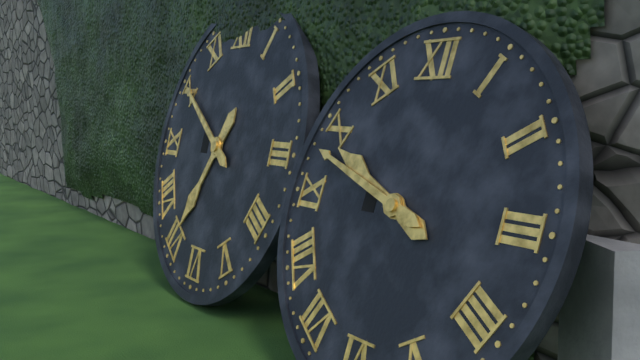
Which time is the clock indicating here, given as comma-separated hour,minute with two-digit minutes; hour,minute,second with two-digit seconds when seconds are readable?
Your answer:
9,48
